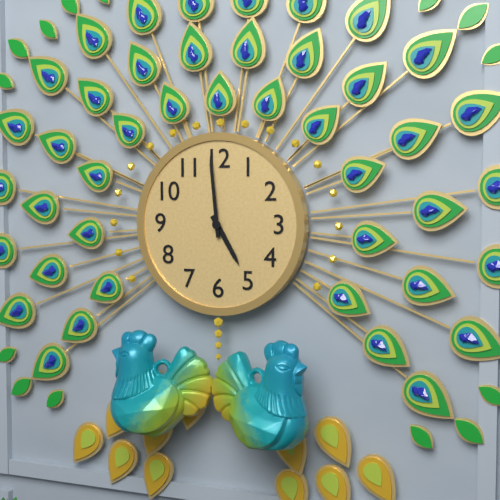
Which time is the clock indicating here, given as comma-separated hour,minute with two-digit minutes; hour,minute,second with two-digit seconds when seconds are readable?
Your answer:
4,59
